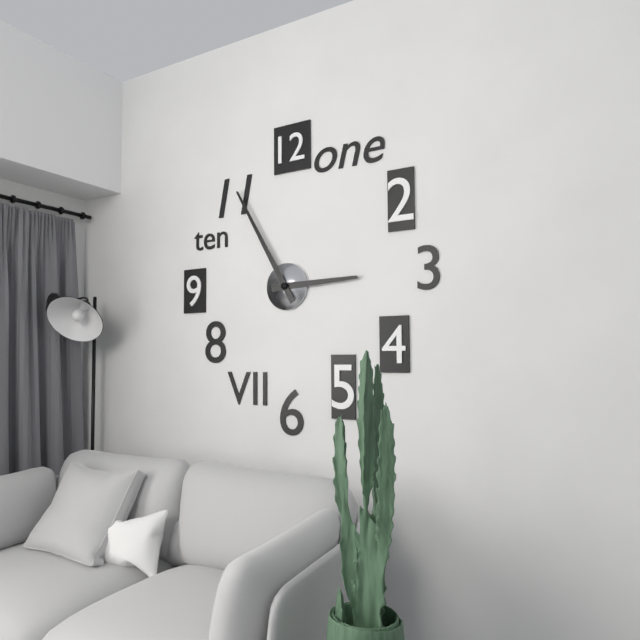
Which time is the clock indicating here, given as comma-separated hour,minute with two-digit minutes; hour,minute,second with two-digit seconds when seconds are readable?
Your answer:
2,55
